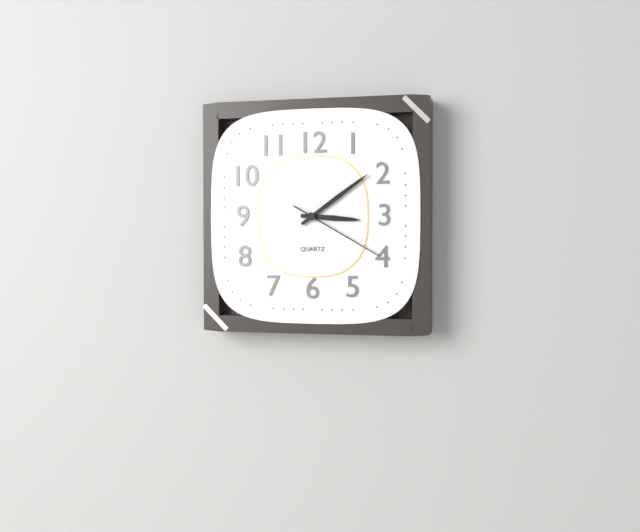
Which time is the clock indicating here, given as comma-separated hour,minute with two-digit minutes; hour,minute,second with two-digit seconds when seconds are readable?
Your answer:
3,09,20
